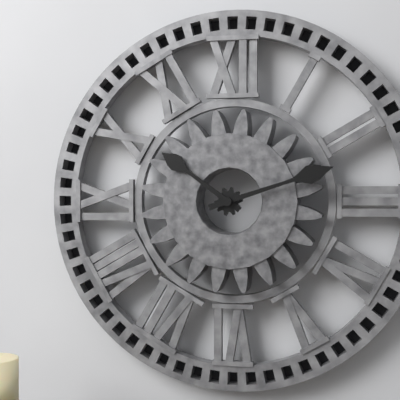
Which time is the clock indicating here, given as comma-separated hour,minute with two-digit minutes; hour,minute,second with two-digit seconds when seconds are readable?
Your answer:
10,12
